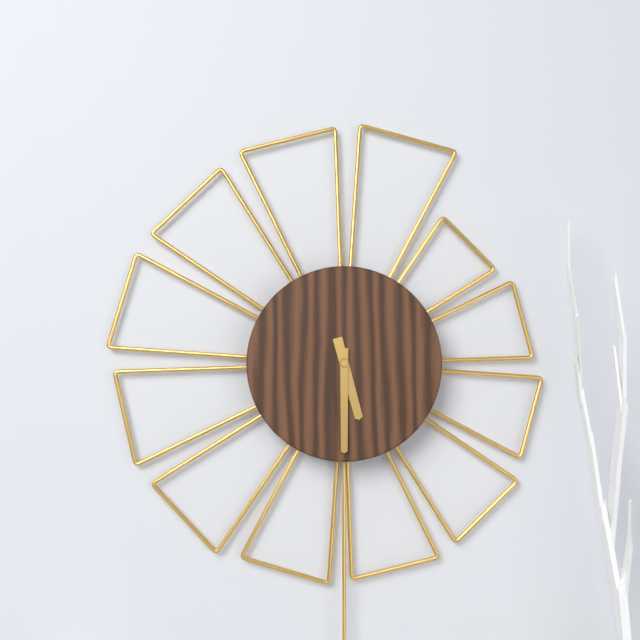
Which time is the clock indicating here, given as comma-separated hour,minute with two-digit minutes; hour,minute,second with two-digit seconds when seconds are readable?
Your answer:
5,30
